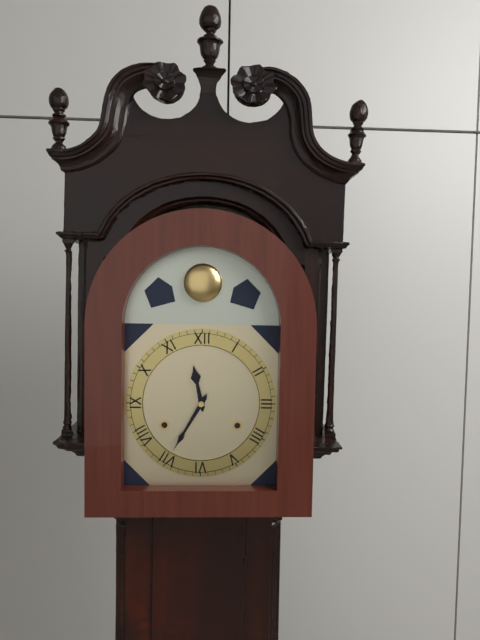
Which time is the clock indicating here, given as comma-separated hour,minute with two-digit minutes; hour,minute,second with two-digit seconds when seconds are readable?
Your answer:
11,35
